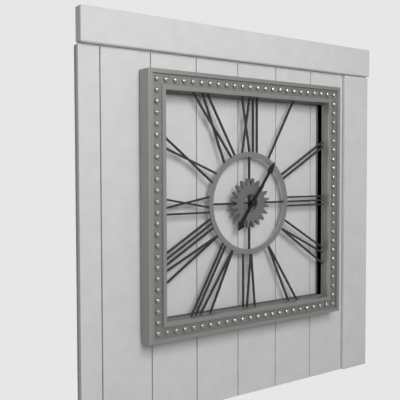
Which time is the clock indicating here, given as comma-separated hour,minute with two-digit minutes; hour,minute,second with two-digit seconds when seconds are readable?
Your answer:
7,06
